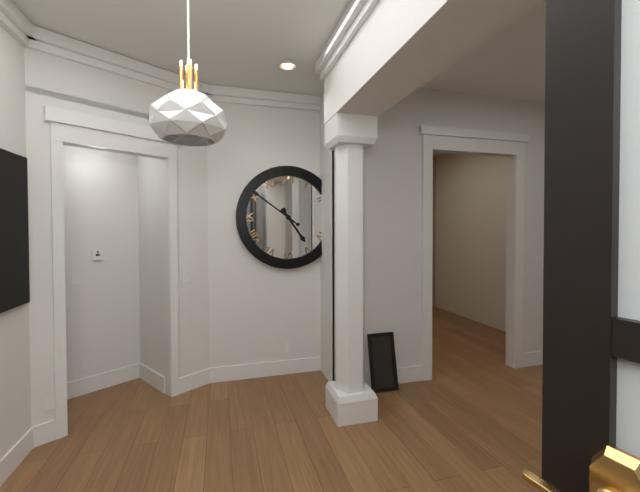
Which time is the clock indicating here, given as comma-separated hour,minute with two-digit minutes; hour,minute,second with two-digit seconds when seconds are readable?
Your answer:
4,51
